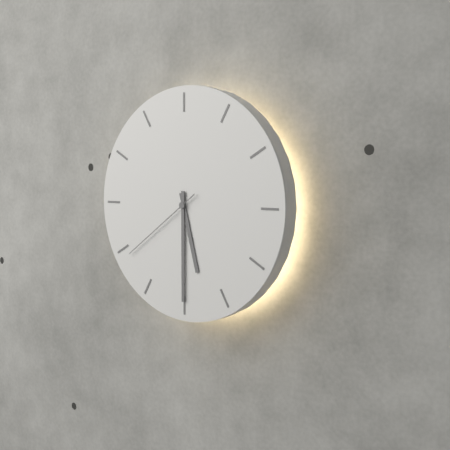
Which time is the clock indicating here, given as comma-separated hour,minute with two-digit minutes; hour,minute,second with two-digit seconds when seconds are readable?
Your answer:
5,30,39
